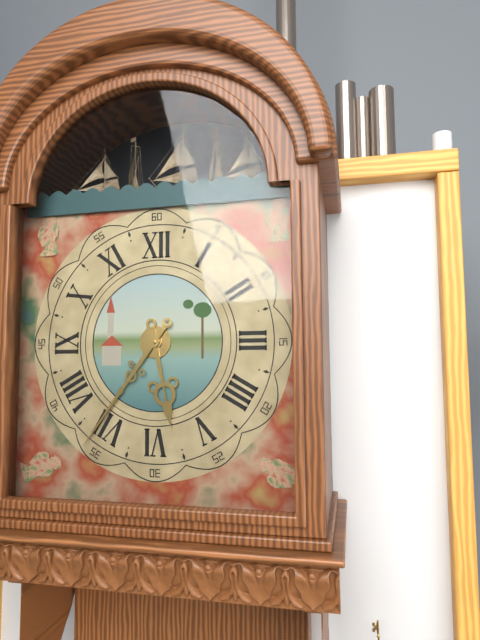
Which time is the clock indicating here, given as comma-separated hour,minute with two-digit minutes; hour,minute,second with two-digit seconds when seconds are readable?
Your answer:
5,36
